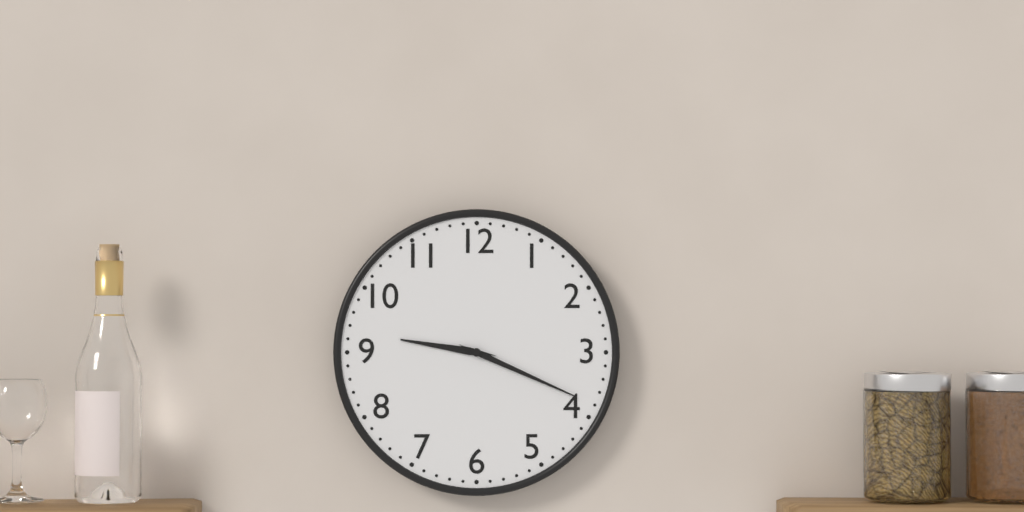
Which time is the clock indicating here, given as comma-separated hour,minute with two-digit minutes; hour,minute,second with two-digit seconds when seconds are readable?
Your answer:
9,19
